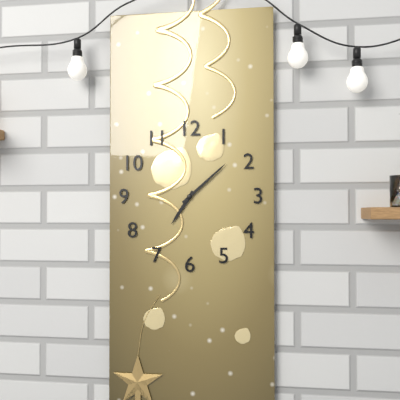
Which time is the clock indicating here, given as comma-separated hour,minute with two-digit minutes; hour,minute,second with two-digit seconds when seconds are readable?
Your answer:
7,08
